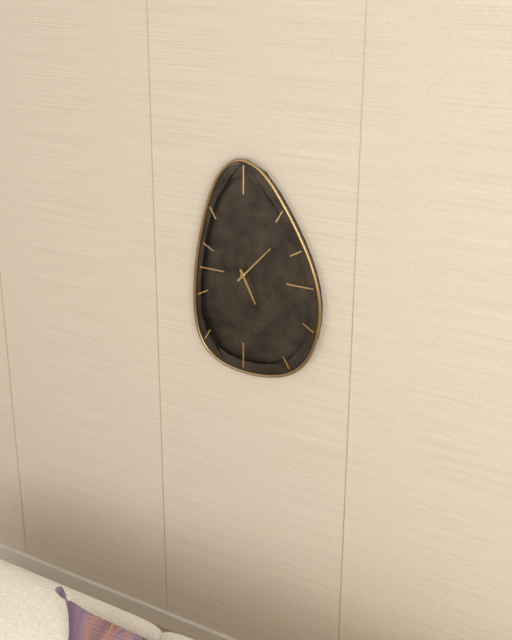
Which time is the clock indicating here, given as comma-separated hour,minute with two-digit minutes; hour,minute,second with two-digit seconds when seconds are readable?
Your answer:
5,07
